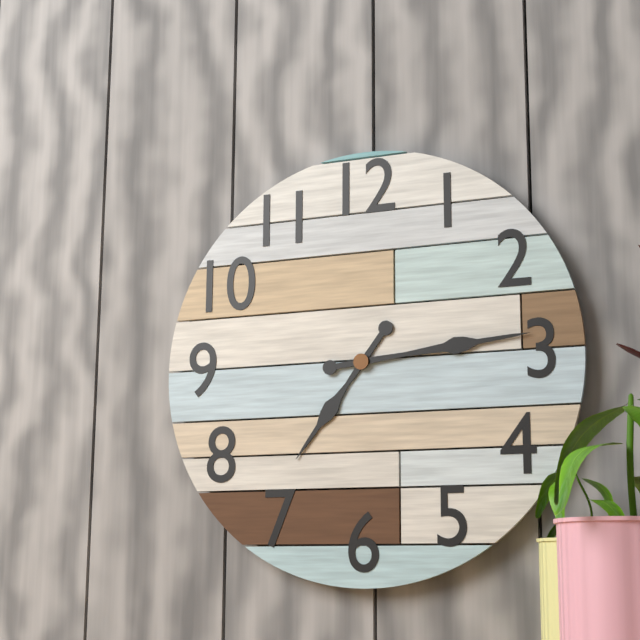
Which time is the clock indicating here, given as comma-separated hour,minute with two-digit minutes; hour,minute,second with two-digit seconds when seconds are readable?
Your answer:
7,14
